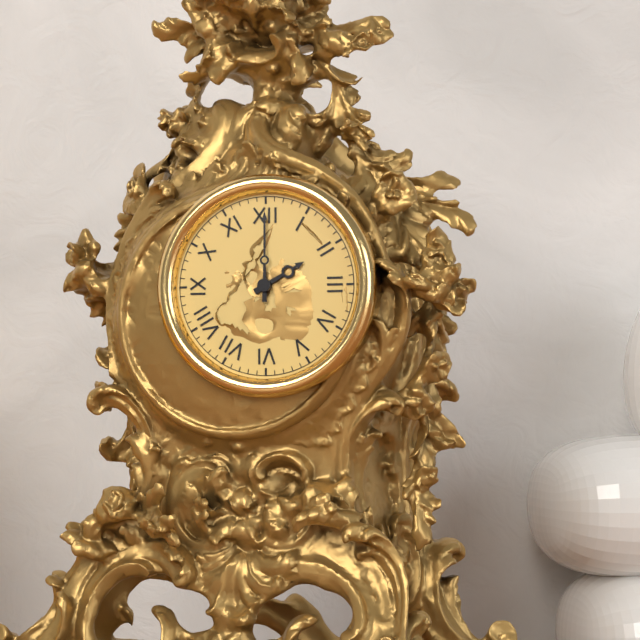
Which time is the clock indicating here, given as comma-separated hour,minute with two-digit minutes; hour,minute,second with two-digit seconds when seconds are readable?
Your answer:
2,00
